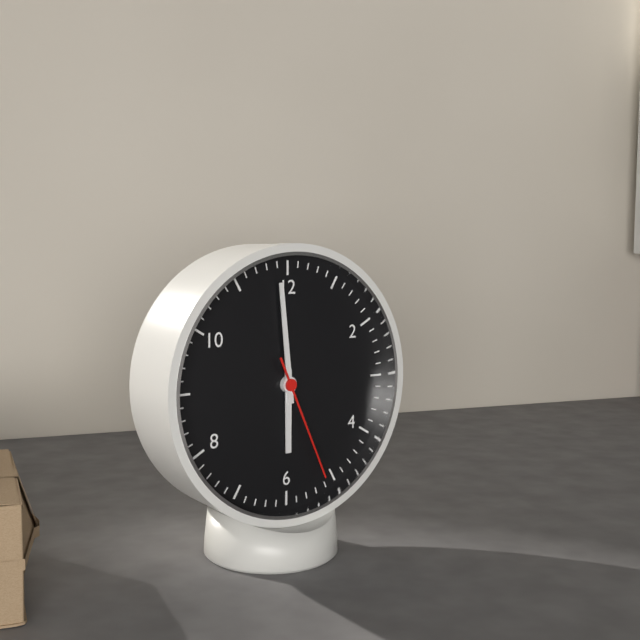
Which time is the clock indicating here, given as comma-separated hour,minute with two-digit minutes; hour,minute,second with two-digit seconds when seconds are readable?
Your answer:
5,59,26
